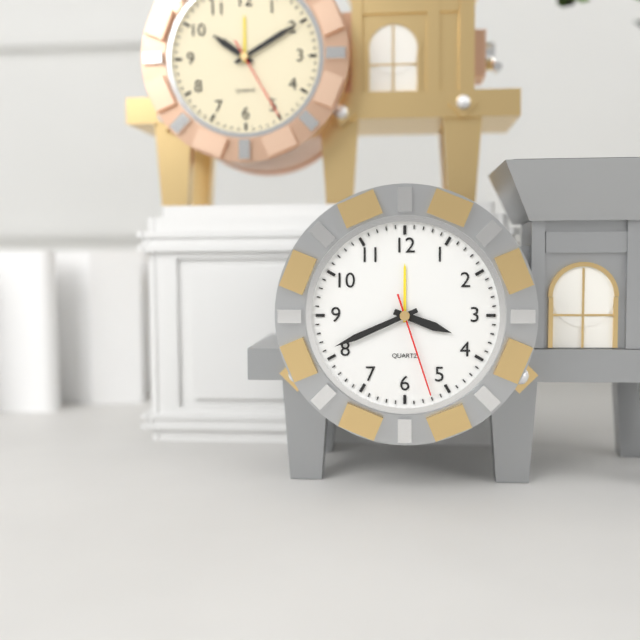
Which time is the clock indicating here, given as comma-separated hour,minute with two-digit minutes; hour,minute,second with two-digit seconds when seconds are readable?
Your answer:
3,41,27
